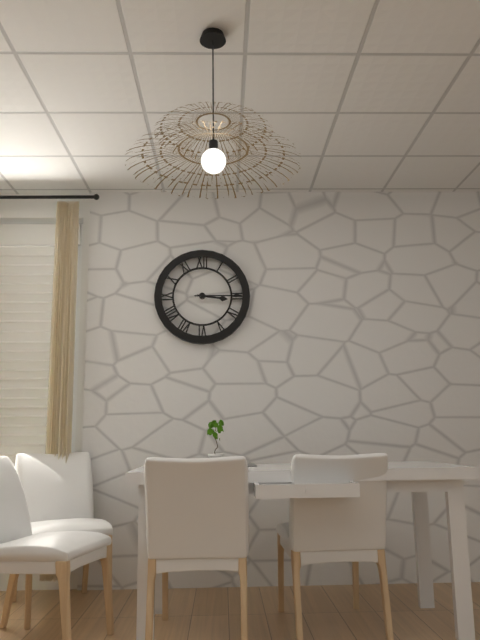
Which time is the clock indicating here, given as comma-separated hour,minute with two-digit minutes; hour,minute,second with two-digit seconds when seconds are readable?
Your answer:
3,15
